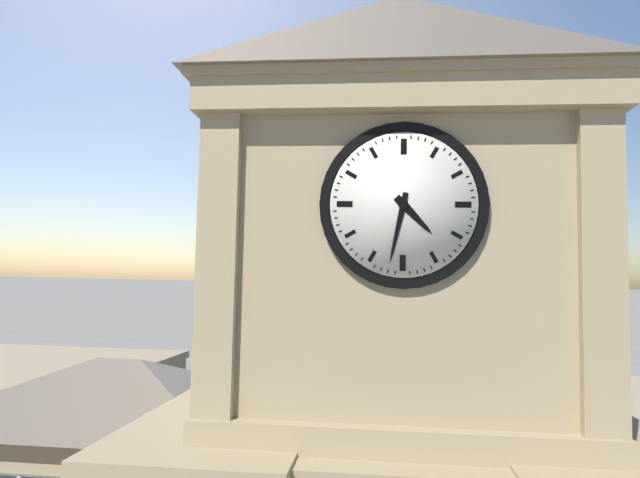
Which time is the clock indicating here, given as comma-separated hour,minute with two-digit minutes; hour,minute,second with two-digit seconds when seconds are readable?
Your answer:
4,32
